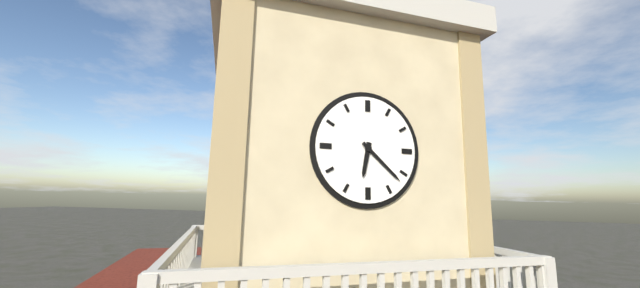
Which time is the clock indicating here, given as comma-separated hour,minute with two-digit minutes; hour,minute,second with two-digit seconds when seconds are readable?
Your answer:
6,22
